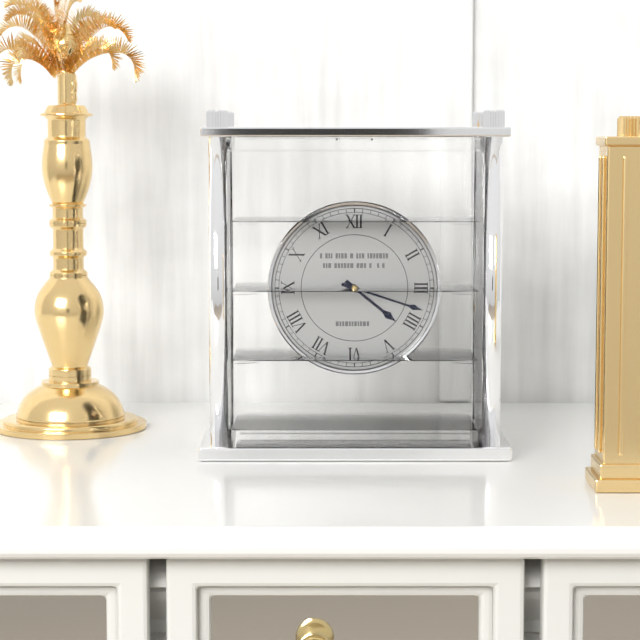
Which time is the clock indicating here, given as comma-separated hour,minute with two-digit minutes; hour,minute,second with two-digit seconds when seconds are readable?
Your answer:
4,18
